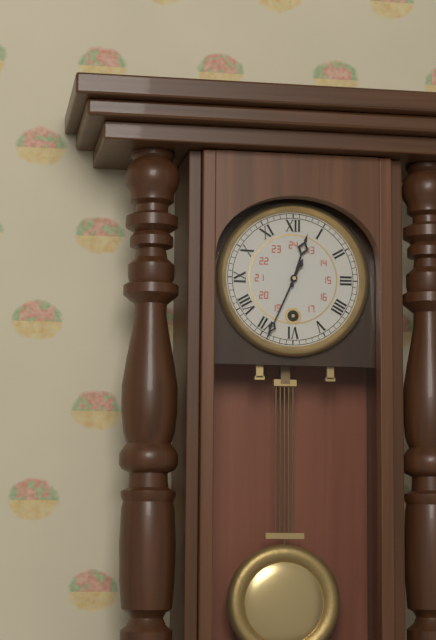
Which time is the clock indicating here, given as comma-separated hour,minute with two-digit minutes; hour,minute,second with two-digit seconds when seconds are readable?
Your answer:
12,34
